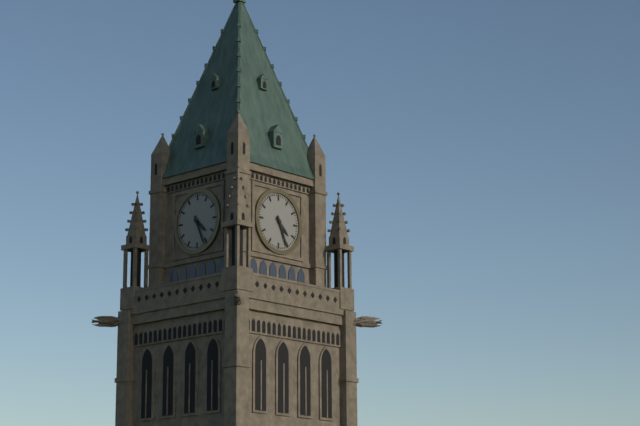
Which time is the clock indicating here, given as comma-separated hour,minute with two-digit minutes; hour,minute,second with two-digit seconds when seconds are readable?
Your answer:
4,26
